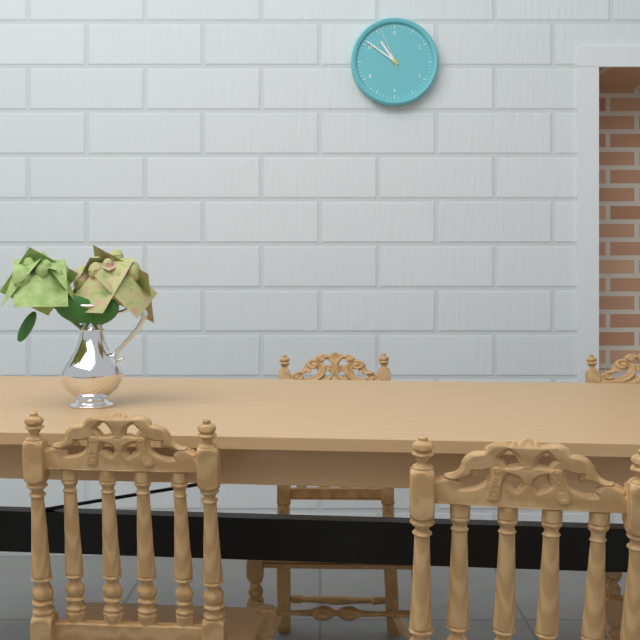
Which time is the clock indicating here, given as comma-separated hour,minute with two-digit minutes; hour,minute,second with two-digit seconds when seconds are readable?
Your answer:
10,51
